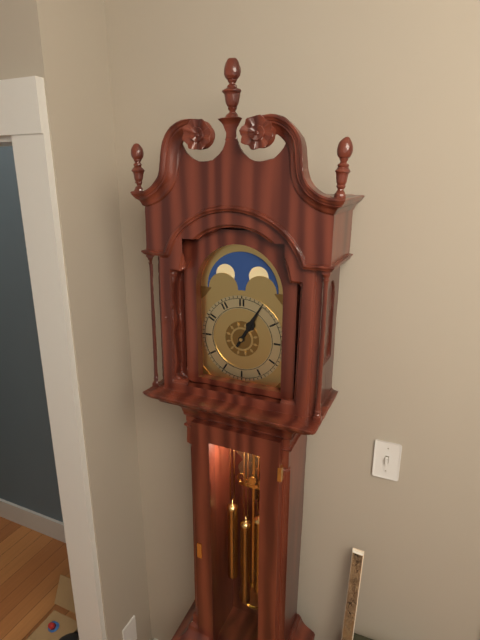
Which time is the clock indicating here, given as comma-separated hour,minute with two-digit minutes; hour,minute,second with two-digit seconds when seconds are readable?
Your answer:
1,05
